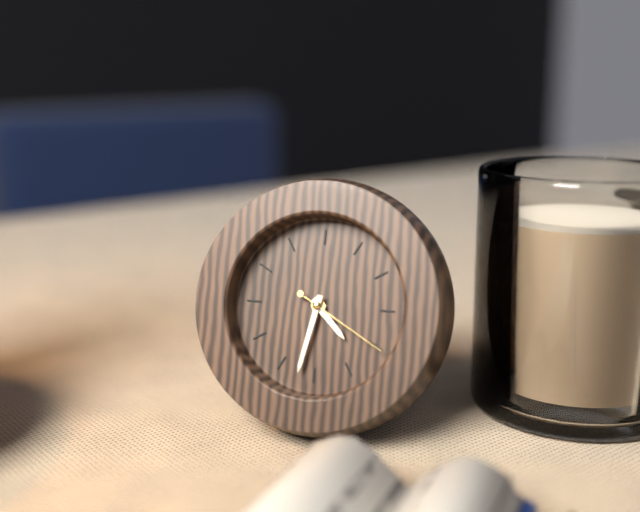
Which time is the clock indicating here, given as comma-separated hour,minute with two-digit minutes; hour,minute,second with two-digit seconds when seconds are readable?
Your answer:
4,32,20
